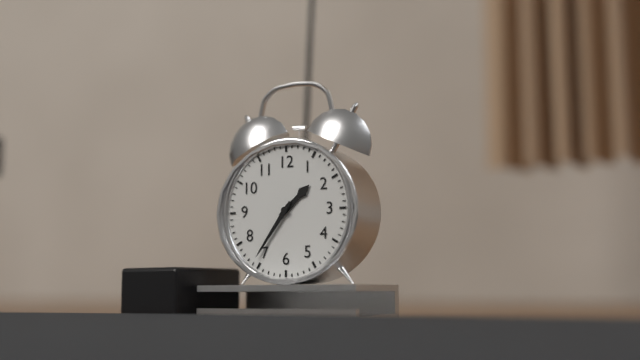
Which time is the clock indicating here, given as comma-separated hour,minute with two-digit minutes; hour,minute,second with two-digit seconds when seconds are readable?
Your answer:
1,36
